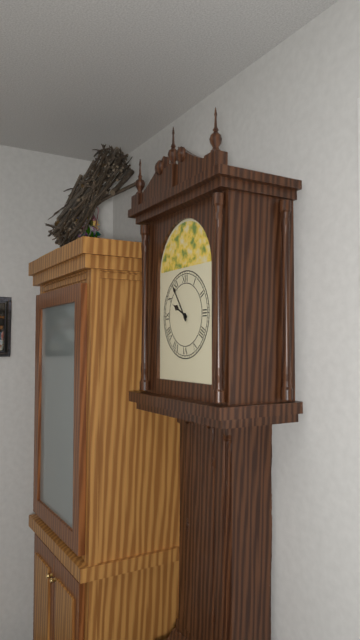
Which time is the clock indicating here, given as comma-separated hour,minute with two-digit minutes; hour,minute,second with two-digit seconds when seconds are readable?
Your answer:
9,54
